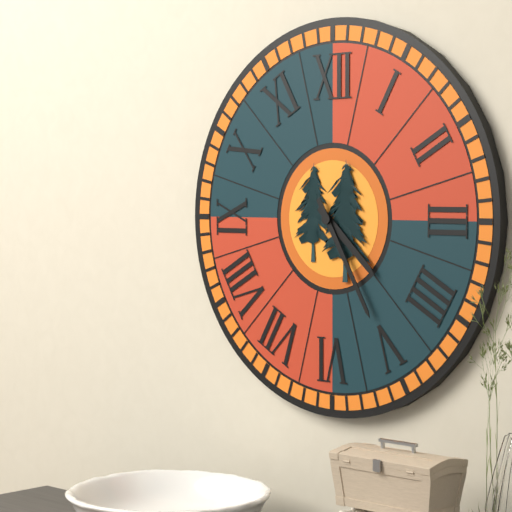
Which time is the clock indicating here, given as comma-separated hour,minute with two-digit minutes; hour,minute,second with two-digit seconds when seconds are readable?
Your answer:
4,25
